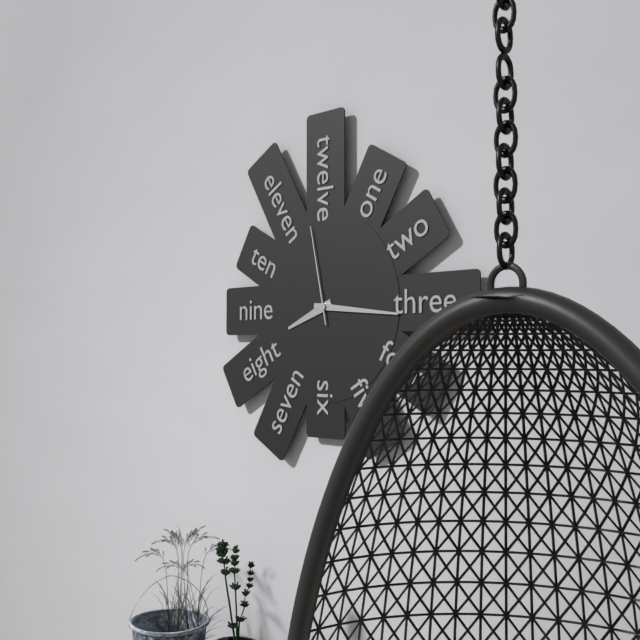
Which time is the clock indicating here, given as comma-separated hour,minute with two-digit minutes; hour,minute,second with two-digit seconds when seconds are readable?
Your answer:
8,16,58
